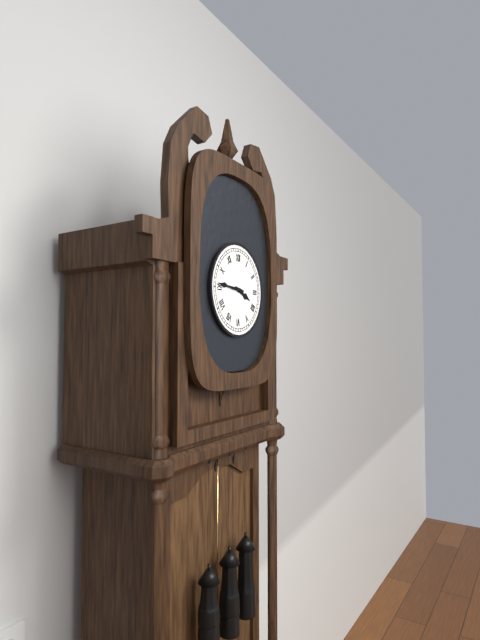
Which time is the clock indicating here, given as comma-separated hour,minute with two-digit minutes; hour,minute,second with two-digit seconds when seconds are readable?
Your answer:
3,46
